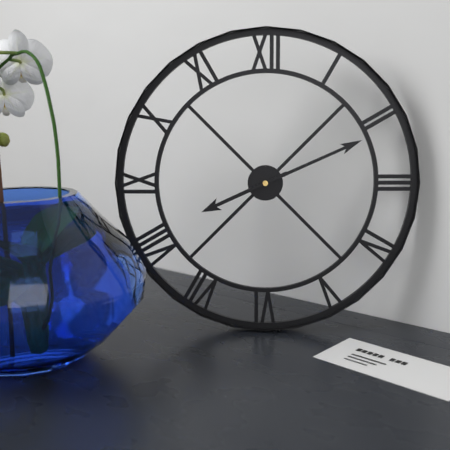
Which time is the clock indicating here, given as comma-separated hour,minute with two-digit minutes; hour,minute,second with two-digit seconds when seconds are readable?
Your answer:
8,11
